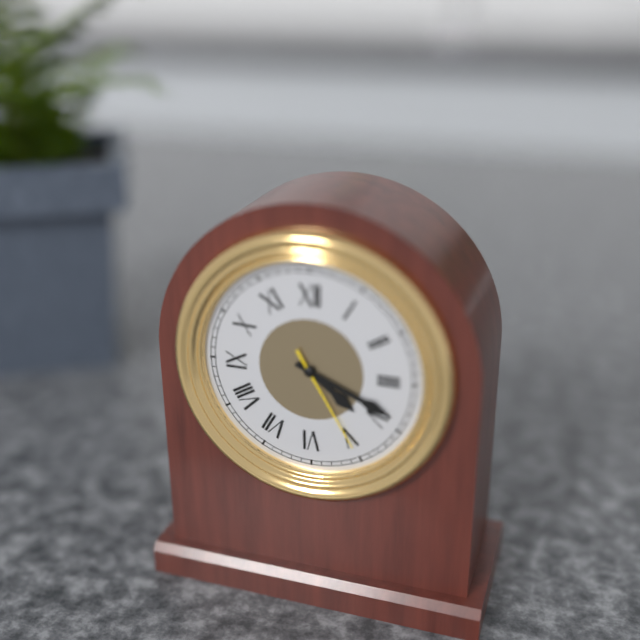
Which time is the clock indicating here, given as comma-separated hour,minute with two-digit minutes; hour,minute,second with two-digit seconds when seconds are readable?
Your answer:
4,19,25
